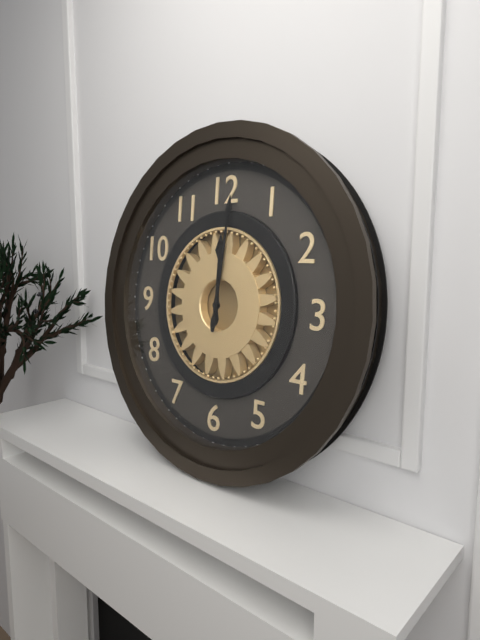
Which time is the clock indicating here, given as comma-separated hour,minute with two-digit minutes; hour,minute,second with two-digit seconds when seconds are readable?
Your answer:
12,01
